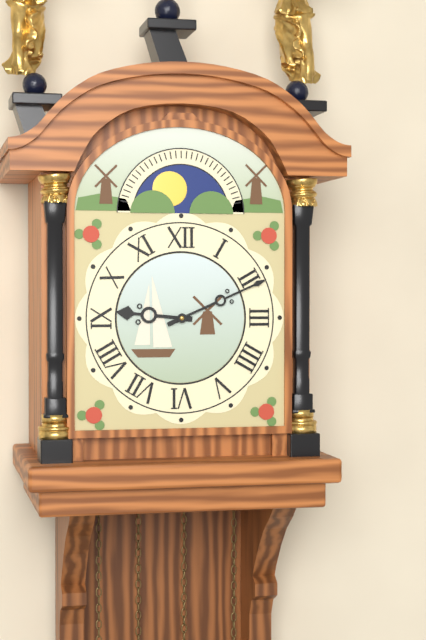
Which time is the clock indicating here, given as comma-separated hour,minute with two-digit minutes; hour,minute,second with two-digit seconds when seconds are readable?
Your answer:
9,11
